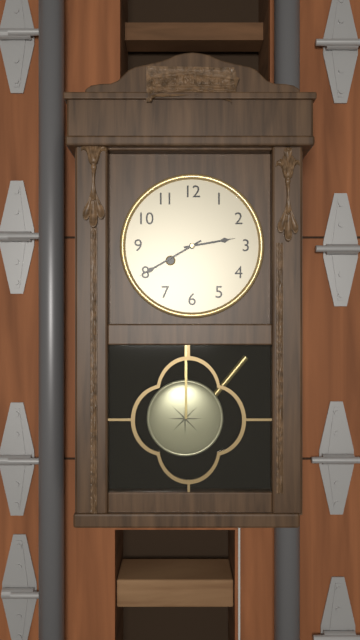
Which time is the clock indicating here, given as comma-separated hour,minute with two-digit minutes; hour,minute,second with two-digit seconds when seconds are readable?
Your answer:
2,40
